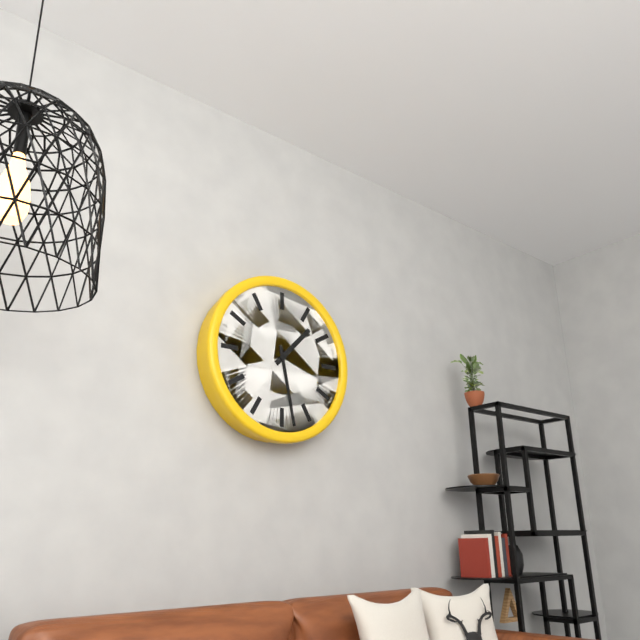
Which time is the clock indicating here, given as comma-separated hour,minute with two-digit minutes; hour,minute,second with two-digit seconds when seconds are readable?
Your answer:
1,28
